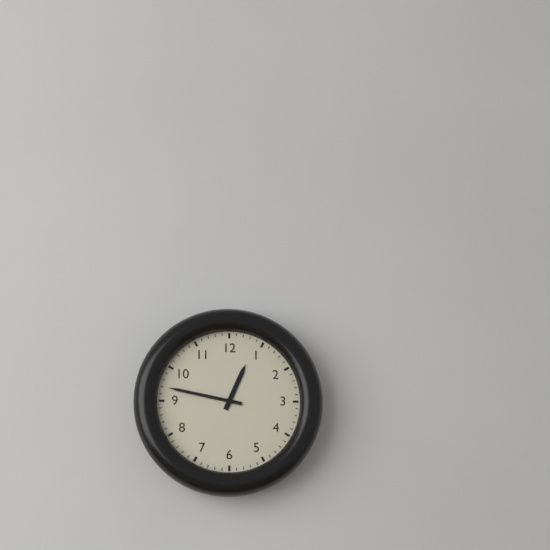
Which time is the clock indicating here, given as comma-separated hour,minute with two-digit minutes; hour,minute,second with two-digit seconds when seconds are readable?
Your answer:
12,47
